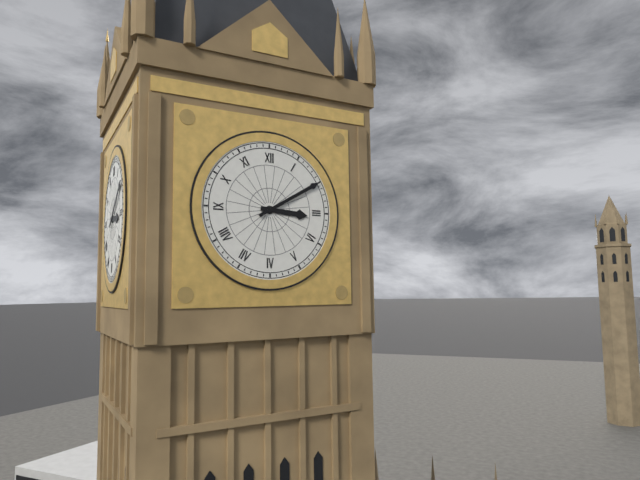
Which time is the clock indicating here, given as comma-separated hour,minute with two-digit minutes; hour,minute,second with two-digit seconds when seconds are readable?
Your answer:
3,10
